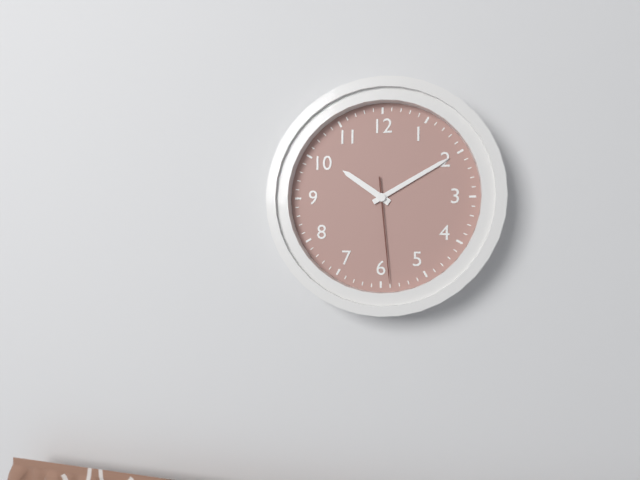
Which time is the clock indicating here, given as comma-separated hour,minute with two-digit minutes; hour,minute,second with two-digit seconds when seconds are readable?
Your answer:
10,10,29
